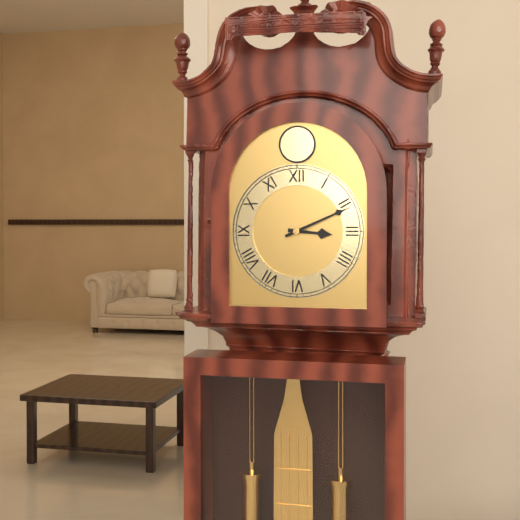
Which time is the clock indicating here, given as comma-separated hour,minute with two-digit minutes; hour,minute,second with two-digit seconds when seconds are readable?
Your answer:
3,11
